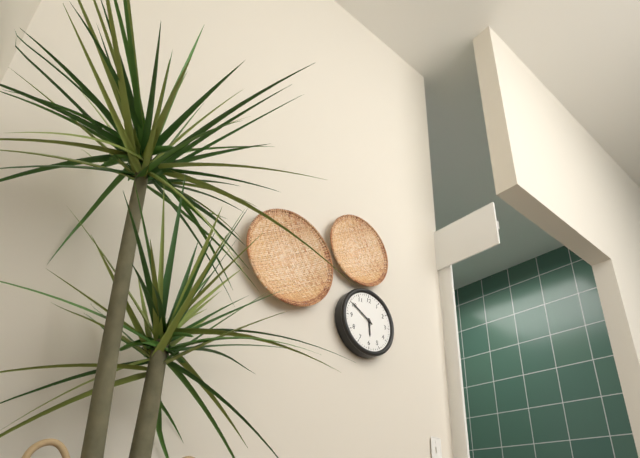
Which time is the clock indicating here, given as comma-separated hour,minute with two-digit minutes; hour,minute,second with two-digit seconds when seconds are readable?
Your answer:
5,50
